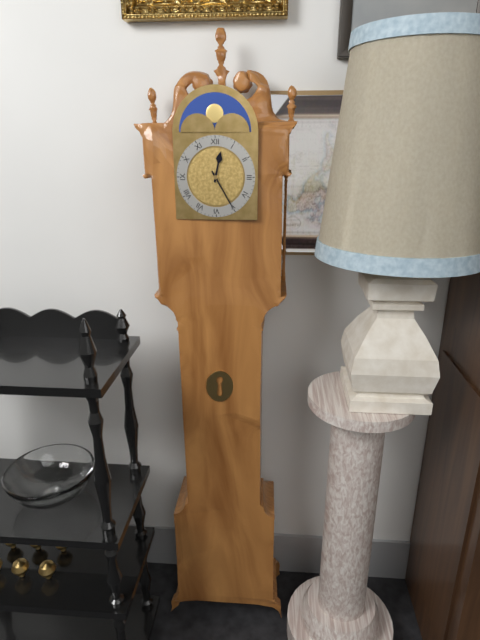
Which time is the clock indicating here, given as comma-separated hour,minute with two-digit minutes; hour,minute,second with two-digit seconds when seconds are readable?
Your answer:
12,25
